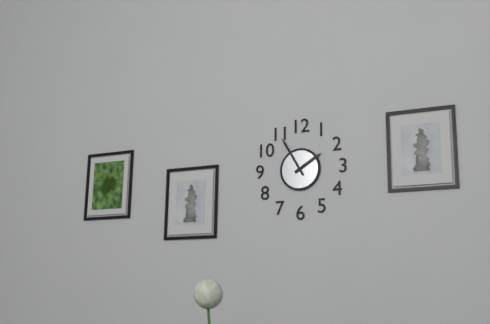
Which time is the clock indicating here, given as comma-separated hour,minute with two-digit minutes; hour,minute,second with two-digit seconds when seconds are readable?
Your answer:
1,55
